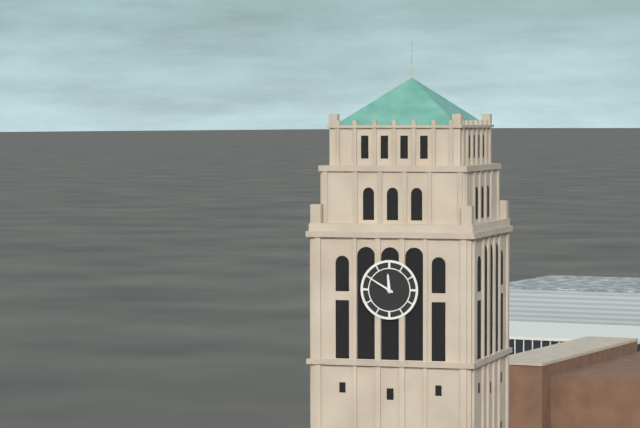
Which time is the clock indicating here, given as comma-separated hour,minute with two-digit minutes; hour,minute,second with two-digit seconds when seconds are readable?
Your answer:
11,50
